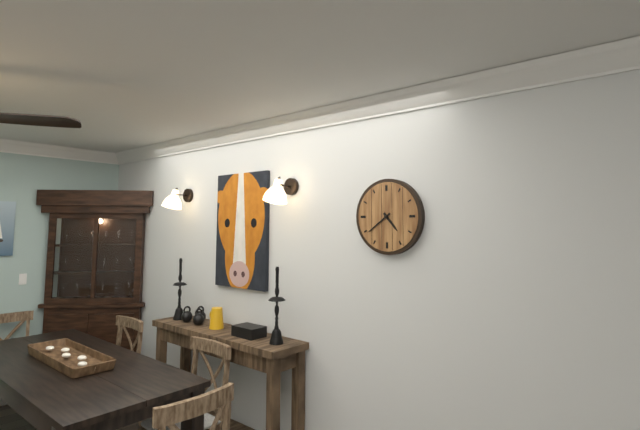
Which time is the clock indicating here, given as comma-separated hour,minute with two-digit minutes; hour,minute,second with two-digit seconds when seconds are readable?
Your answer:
4,39
